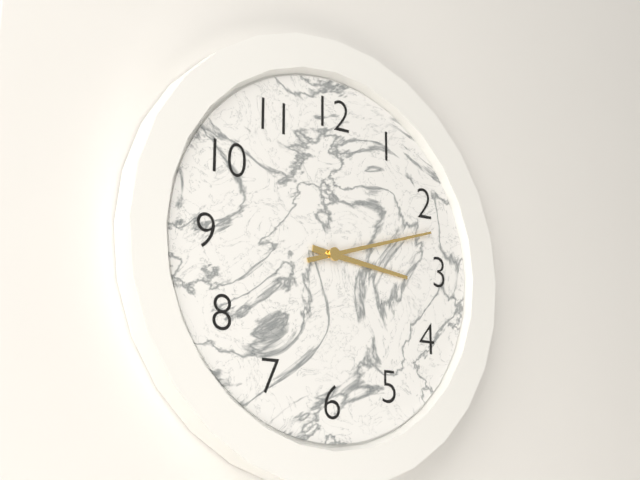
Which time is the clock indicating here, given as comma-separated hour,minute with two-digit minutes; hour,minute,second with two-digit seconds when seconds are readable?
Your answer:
3,12
